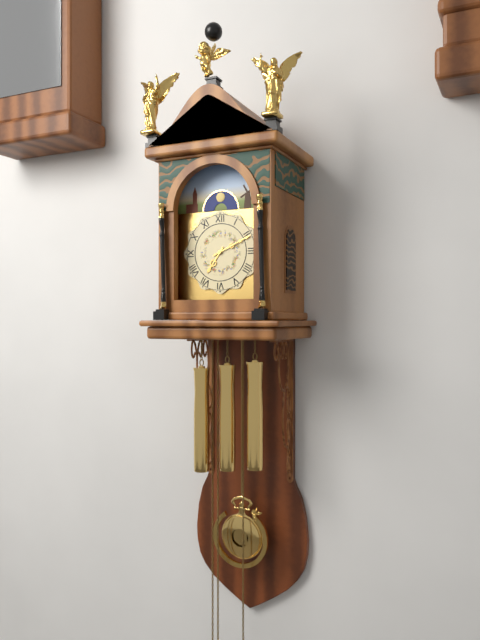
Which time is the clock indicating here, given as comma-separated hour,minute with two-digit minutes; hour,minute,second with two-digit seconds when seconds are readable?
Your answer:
7,11
